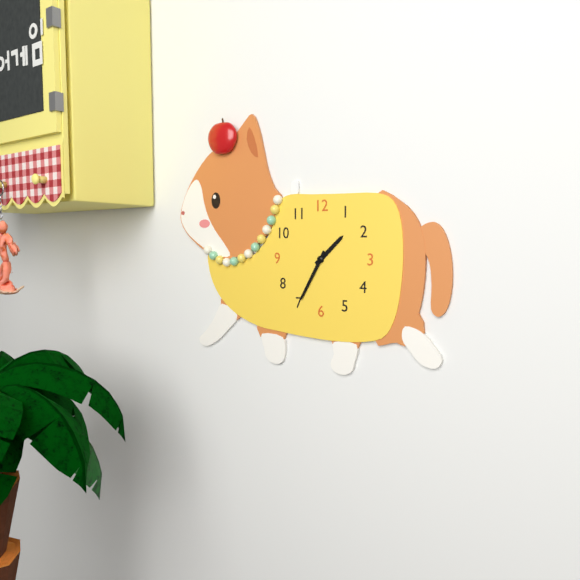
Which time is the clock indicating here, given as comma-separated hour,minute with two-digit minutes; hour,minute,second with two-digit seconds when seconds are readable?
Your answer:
1,35
